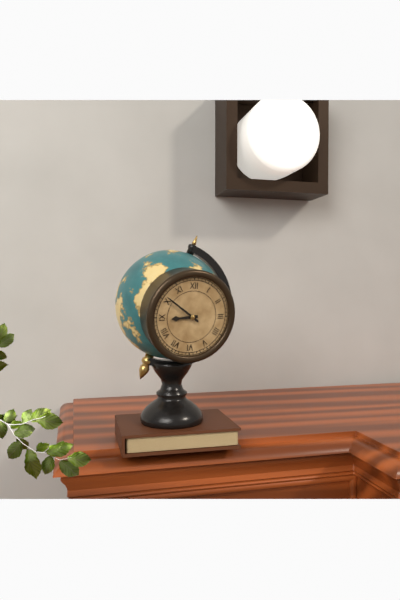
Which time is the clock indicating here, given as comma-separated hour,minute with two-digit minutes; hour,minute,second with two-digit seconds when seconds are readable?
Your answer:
8,51
